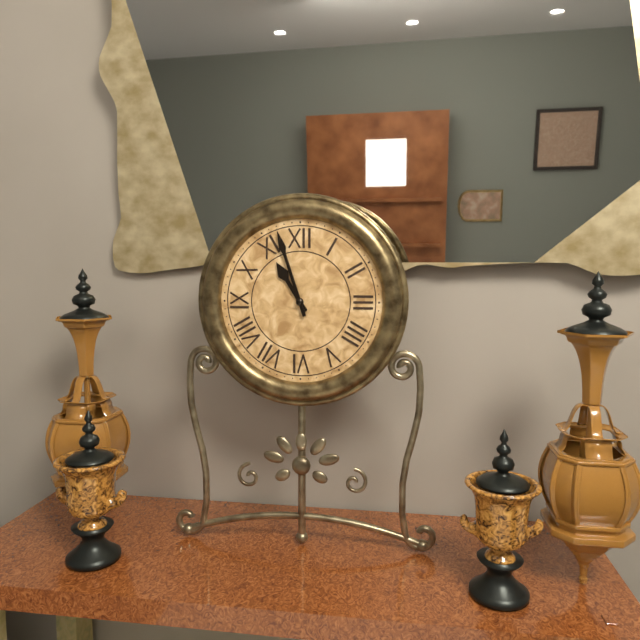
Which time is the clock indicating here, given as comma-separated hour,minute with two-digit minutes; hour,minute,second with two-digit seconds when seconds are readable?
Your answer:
10,57
